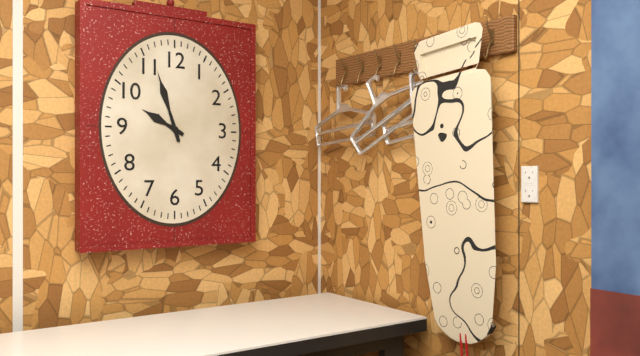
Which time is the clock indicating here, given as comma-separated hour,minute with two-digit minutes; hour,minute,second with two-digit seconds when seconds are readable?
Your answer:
9,57
